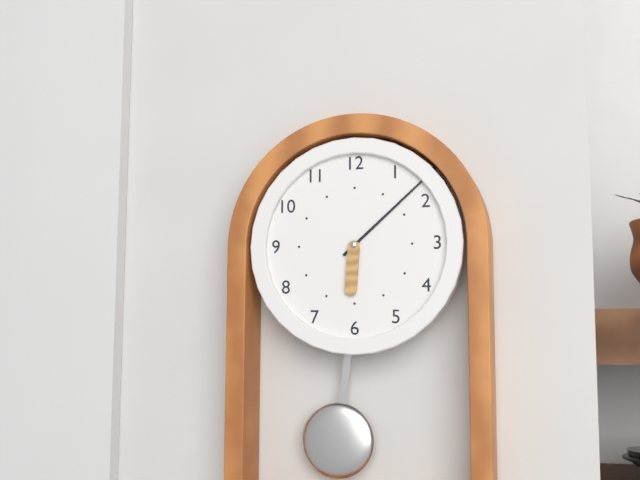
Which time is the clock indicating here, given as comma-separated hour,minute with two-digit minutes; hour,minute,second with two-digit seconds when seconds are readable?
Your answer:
6,08
